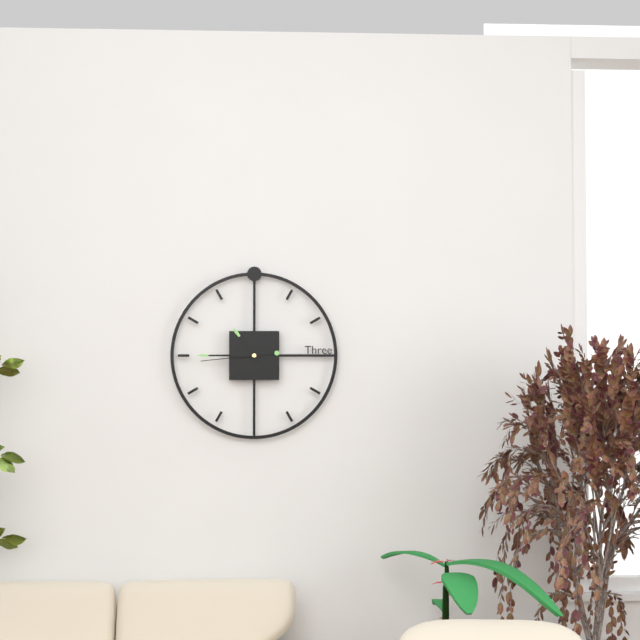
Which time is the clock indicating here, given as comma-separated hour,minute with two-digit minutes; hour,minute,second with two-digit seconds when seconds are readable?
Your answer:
10,45,44
